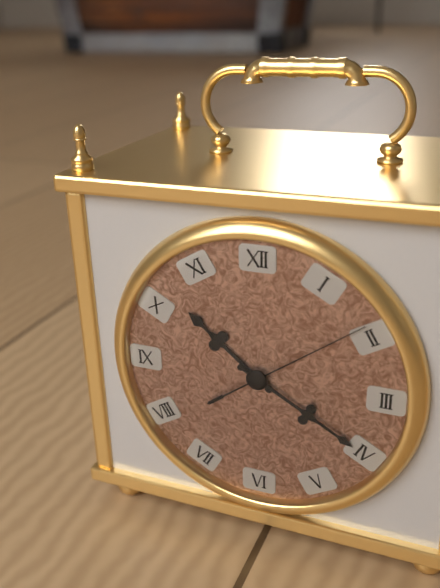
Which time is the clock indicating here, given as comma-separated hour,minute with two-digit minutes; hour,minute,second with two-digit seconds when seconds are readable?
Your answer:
10,20,09
